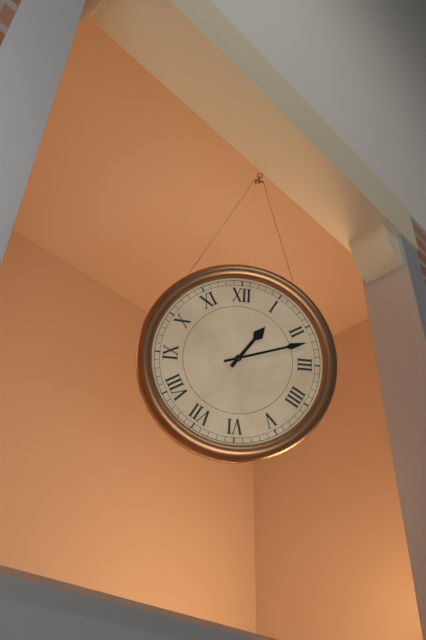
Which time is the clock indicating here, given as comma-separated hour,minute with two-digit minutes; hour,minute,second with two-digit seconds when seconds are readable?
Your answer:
1,12
